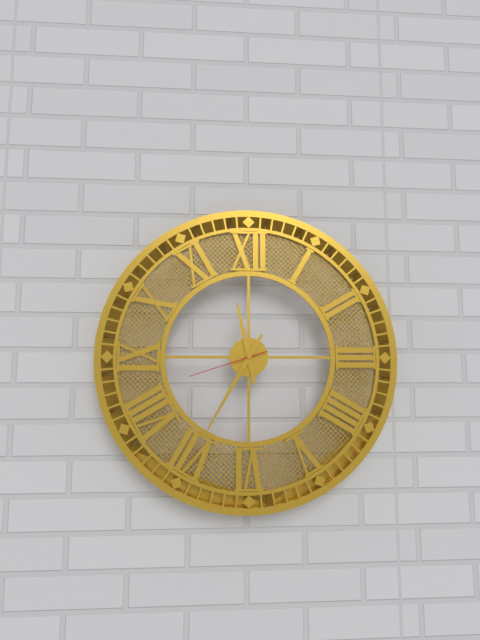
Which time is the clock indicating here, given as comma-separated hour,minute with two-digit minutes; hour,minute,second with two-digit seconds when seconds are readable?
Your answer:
11,35,42
